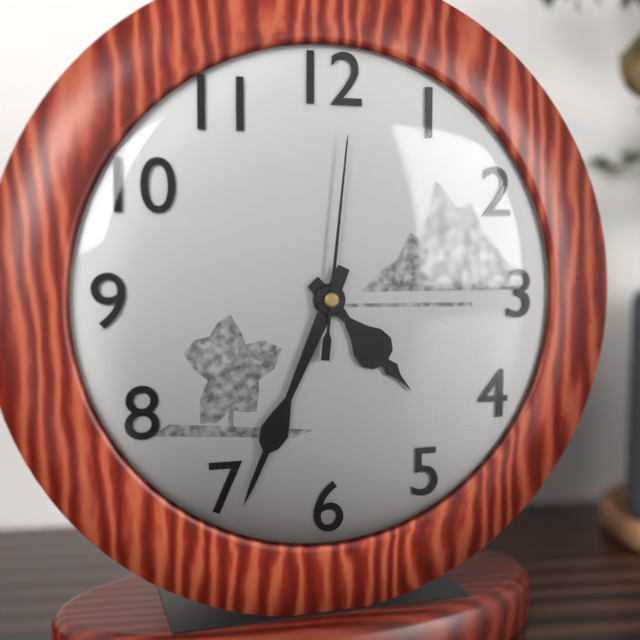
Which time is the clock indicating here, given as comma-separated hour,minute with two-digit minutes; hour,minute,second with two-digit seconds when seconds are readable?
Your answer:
4,34,01
